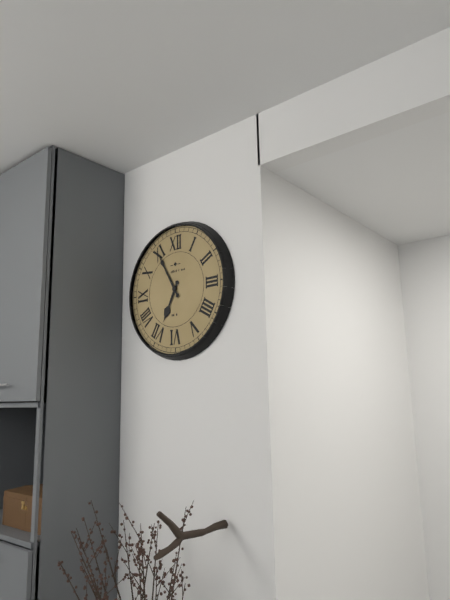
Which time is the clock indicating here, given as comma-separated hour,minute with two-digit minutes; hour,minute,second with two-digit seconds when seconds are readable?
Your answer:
6,55
